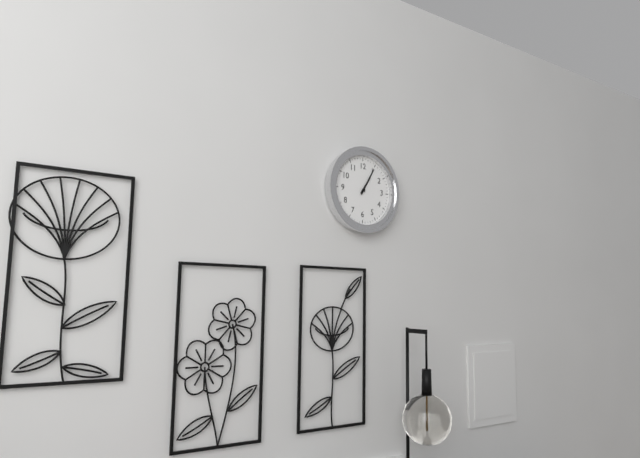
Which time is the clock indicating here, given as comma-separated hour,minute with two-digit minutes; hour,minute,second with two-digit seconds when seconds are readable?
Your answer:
1,05
